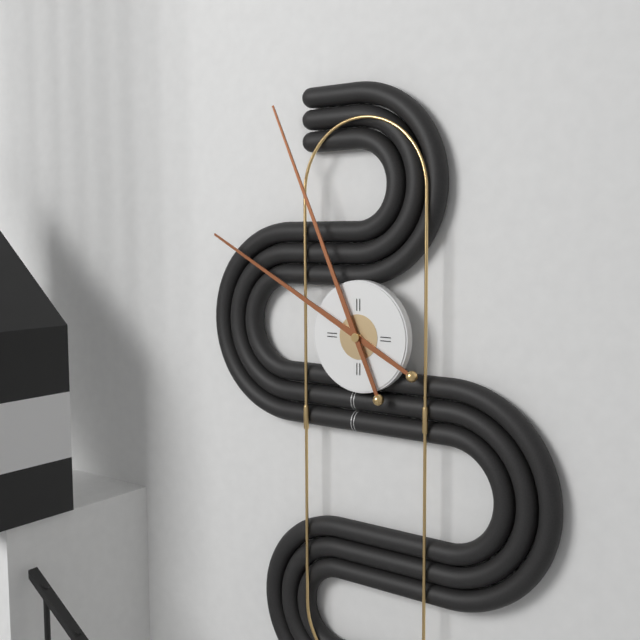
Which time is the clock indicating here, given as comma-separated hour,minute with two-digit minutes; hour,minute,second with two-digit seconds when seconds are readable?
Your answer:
9,56
